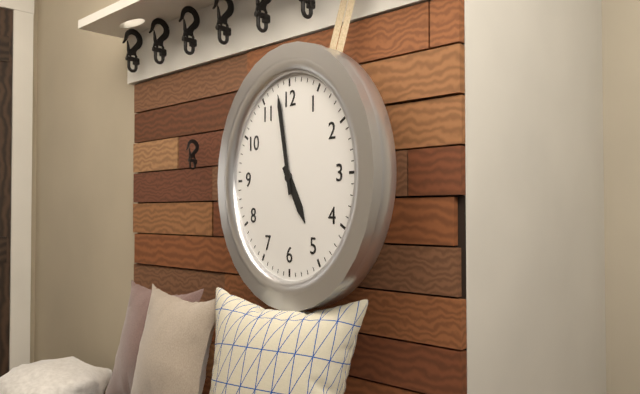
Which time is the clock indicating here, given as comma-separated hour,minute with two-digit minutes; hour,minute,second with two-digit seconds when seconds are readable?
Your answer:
4,58
